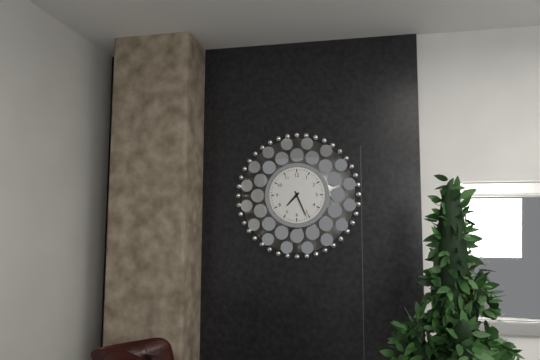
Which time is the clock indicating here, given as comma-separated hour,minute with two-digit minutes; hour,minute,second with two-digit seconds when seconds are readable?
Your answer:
7,26
